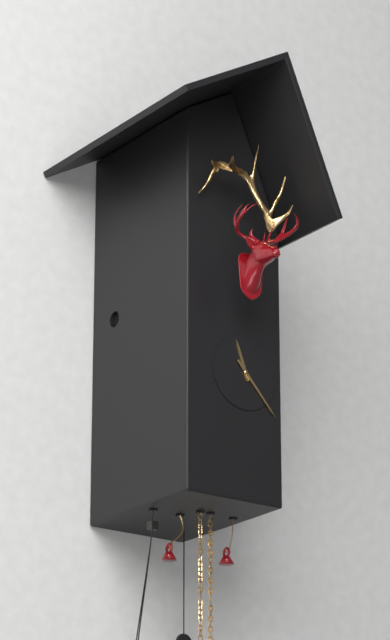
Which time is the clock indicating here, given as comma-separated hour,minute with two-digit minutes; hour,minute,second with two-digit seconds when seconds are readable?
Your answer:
11,23
